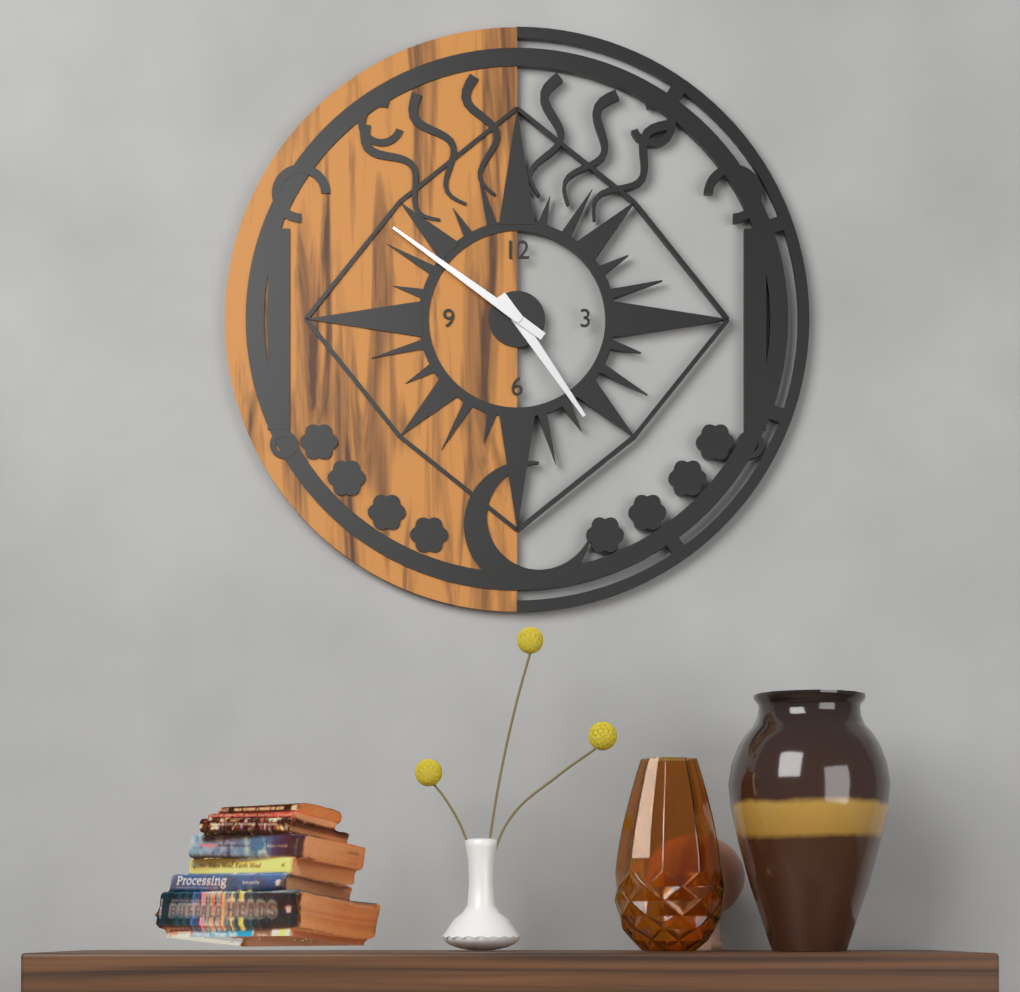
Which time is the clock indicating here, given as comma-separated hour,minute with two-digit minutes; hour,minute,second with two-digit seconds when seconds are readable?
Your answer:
4,51
